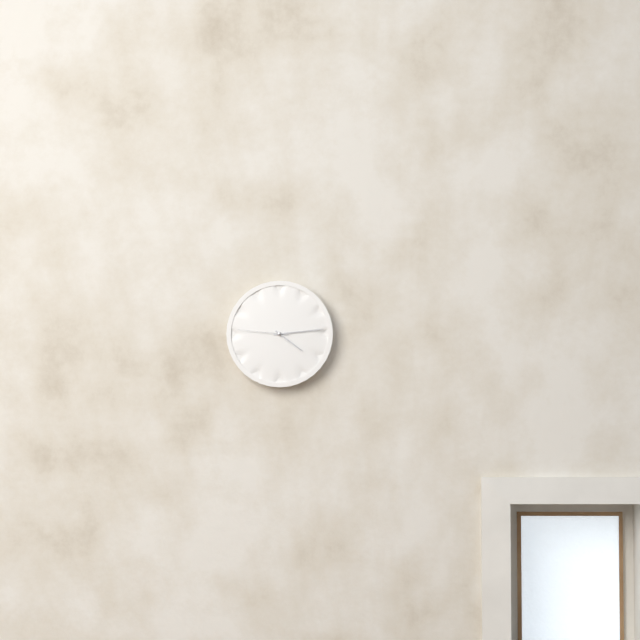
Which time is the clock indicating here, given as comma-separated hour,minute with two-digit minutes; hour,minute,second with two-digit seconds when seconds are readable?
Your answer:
4,14,46
